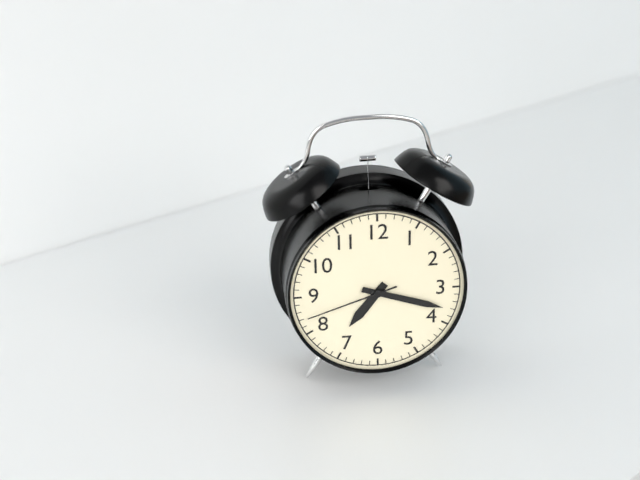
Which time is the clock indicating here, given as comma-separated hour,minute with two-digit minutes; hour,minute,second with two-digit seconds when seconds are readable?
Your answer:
7,18,42
